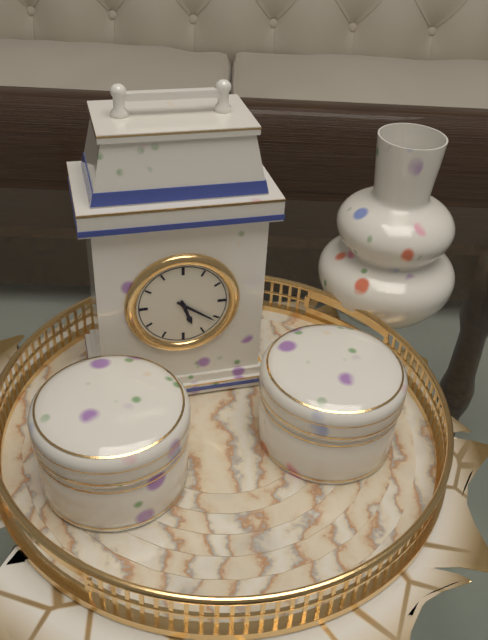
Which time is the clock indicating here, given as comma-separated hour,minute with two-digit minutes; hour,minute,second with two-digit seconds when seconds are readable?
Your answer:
5,21
